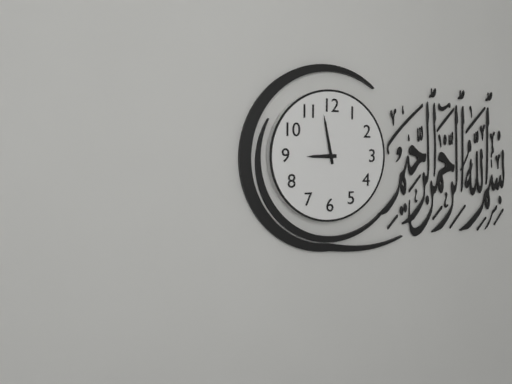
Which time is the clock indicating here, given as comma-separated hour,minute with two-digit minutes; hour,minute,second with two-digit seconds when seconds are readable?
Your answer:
8,58
